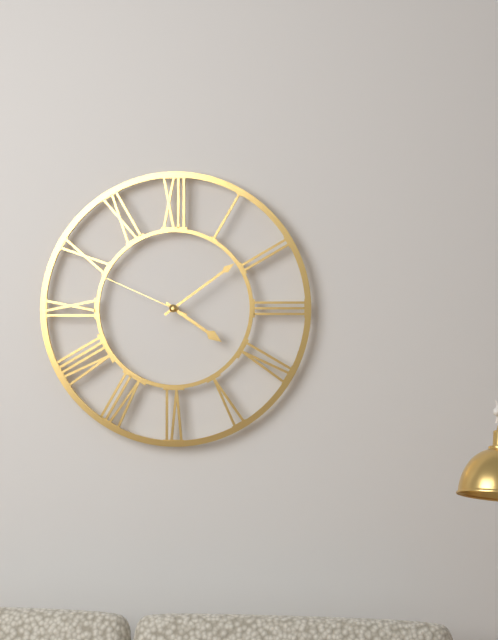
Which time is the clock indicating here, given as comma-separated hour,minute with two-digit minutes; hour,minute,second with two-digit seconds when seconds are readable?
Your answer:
4,09,49
